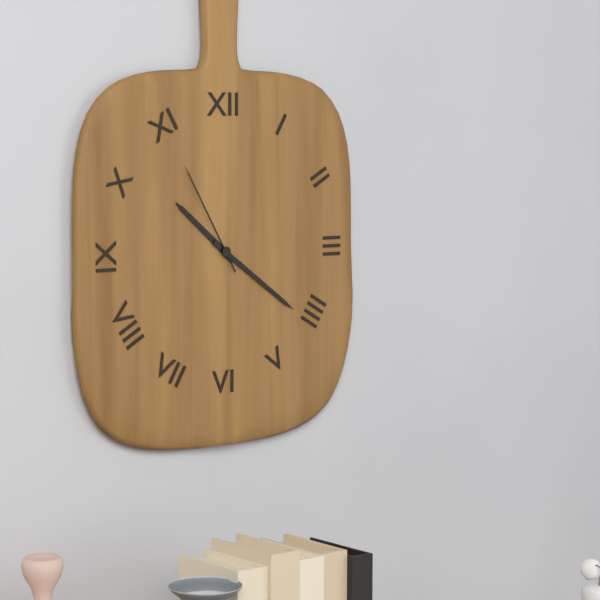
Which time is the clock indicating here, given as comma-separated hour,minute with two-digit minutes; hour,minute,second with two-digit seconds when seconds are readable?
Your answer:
10,21,55
